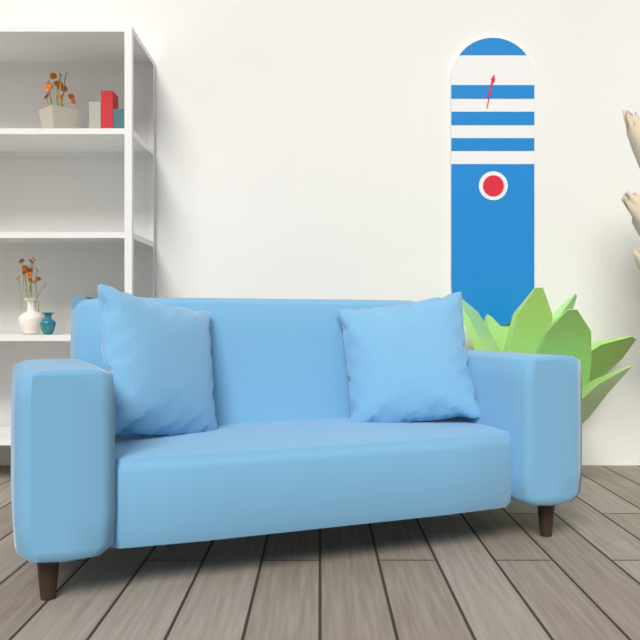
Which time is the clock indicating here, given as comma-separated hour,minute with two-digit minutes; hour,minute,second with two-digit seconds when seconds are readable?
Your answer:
6,32
